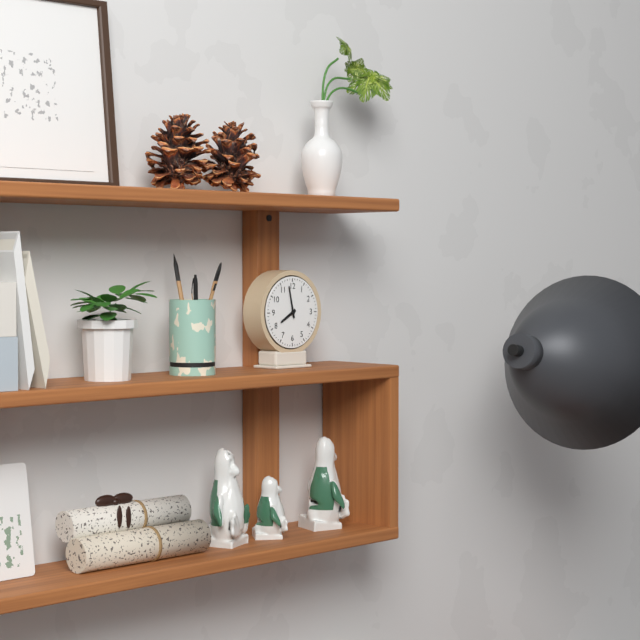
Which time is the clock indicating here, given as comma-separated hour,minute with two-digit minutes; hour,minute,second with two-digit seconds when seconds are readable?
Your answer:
7,58
